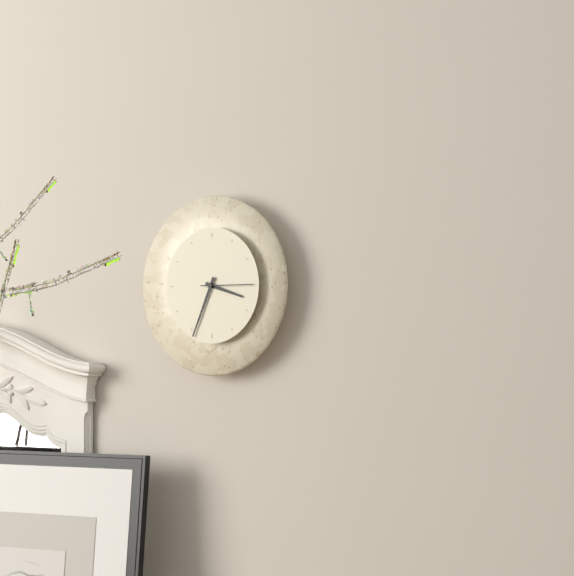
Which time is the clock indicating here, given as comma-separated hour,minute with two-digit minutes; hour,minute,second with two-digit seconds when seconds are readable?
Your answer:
3,34,15
